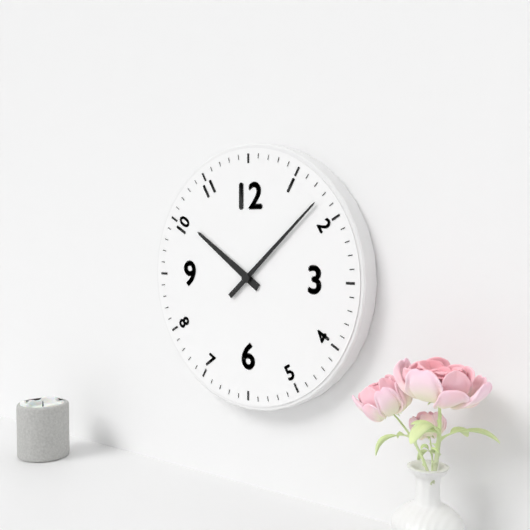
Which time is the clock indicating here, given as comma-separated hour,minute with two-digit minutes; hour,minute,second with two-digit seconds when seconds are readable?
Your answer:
10,08
